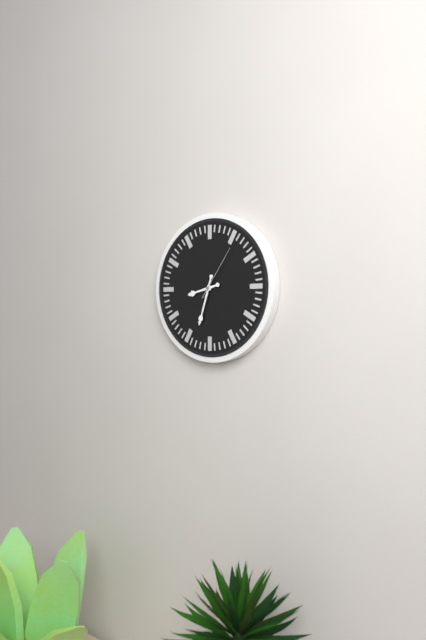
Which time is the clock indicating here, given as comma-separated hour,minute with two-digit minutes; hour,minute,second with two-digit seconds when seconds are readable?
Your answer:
8,33,06
